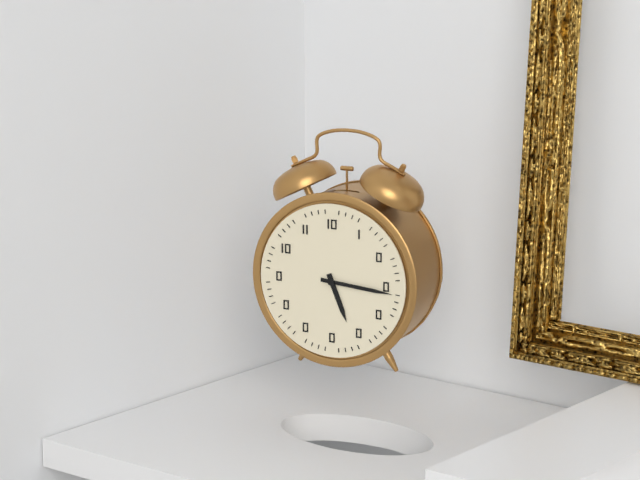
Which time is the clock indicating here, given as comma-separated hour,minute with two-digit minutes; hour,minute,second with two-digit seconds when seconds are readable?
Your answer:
5,16
